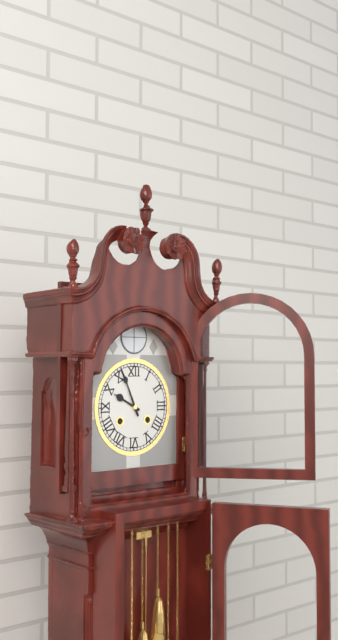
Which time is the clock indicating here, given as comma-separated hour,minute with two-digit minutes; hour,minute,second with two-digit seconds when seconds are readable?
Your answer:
9,56
